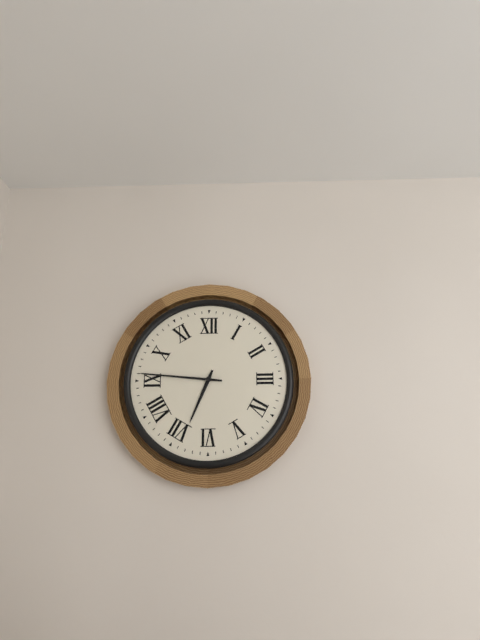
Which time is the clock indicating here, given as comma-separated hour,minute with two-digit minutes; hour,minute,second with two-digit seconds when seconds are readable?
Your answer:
6,46
